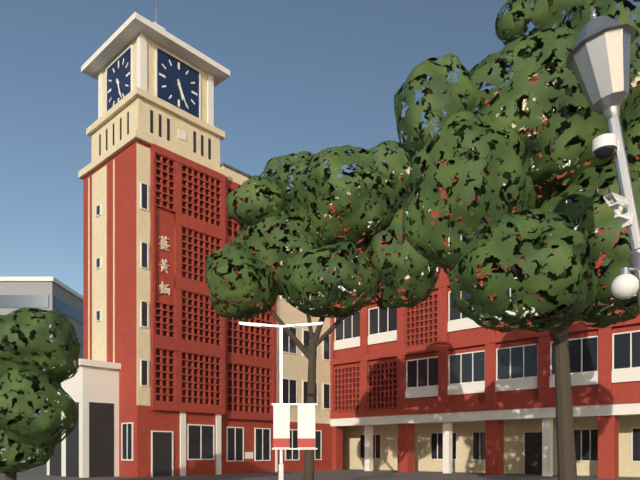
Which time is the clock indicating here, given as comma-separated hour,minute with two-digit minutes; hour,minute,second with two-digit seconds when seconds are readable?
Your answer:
5,26
